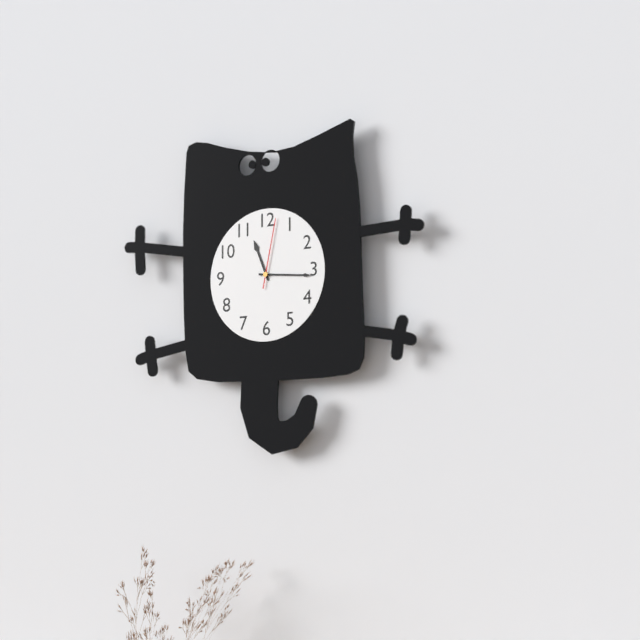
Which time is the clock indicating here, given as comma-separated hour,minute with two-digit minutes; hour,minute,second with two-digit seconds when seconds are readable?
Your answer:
11,16,02
